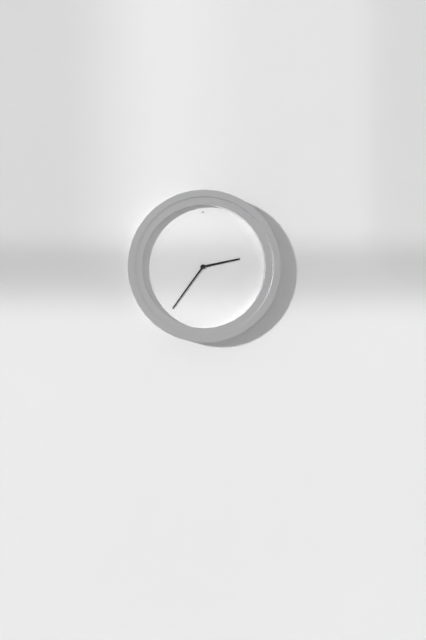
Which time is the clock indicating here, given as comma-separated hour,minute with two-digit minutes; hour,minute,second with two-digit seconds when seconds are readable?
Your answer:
2,36
